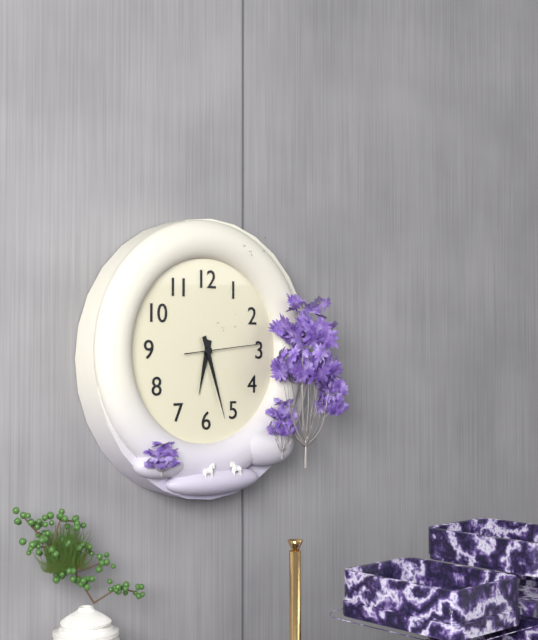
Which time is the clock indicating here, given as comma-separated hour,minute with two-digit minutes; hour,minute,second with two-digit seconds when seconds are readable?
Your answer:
6,27,14
